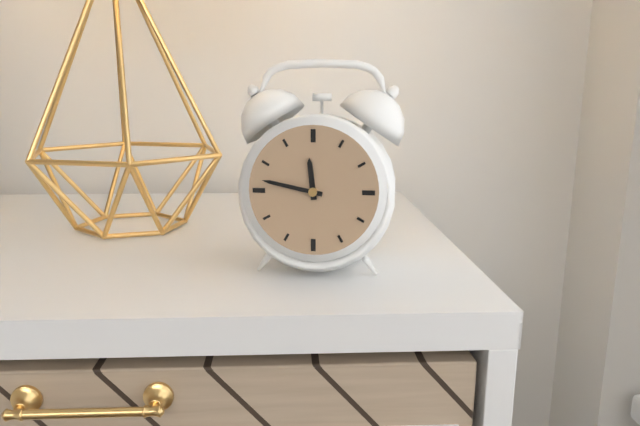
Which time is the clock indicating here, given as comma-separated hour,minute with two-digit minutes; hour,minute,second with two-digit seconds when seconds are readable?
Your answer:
11,47
